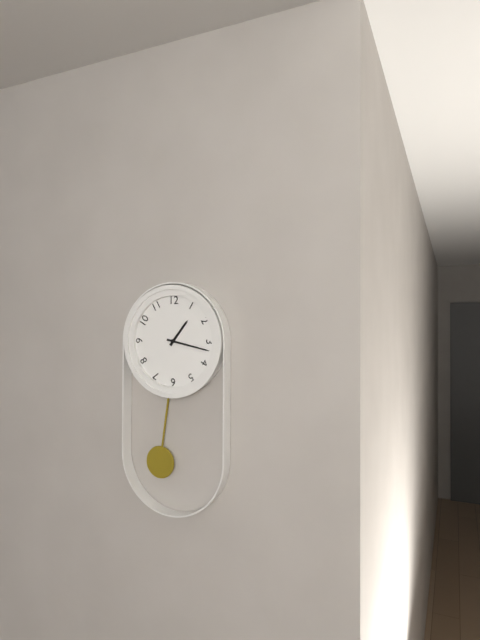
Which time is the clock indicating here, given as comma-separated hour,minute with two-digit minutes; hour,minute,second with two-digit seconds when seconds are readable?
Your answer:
1,17
